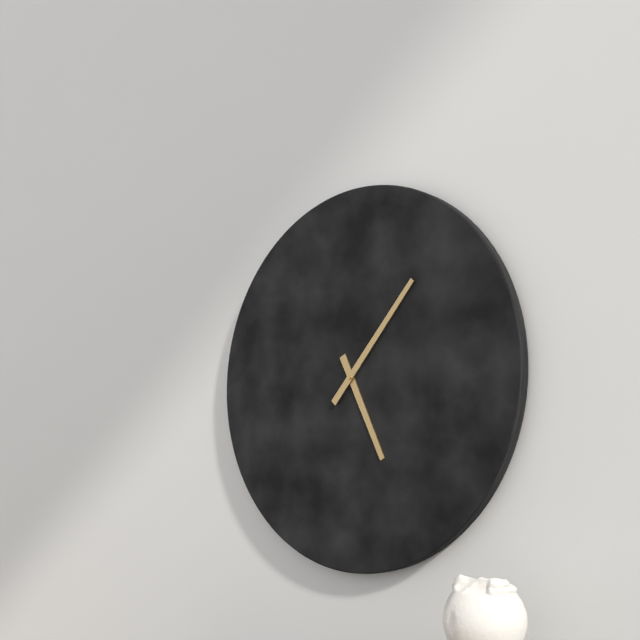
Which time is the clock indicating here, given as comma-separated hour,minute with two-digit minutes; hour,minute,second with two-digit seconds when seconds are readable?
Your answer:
5,07
